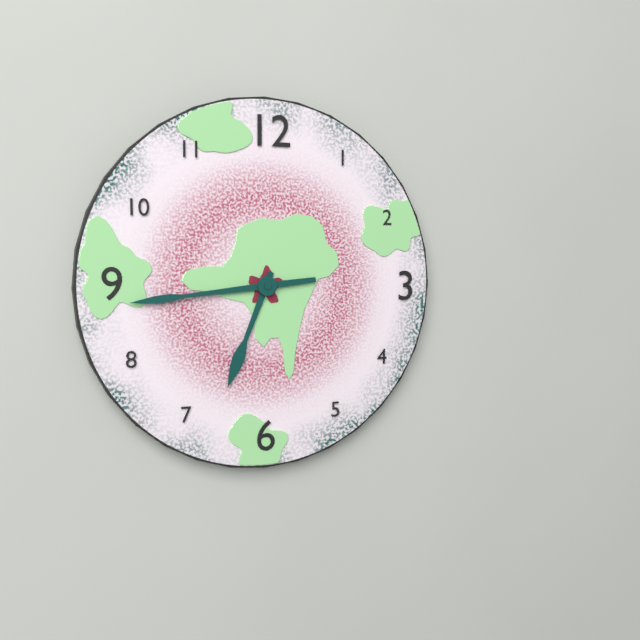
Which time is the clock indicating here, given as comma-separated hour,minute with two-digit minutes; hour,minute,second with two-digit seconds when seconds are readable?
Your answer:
6,44
